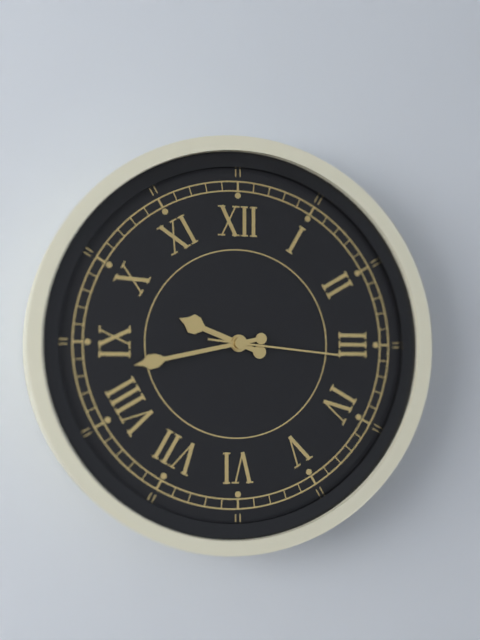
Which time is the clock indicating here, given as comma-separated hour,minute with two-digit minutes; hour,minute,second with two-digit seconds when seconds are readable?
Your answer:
9,43,16
